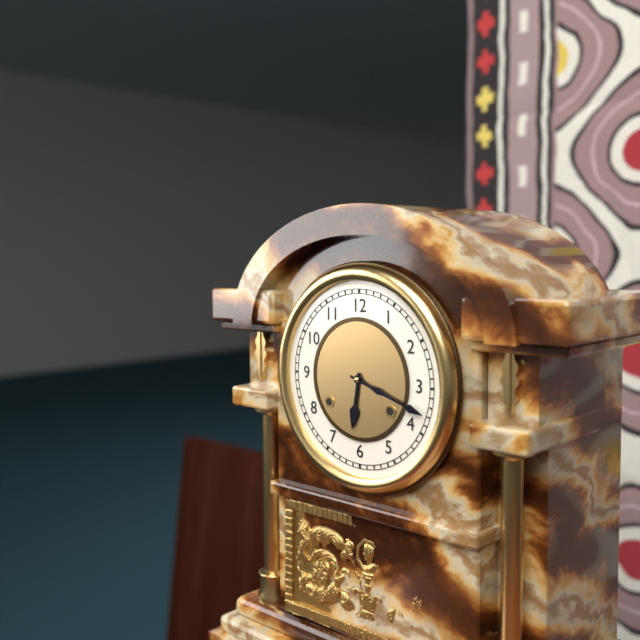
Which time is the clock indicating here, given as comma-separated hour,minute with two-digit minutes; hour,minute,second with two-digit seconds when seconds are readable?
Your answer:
6,18
